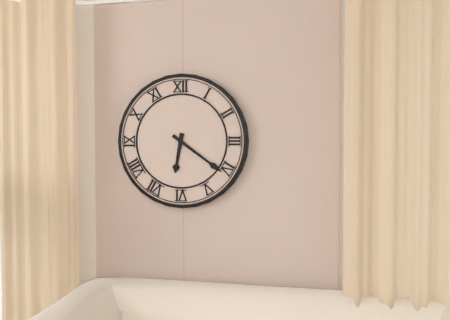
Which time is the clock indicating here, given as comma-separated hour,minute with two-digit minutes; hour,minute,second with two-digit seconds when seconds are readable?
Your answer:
6,21
